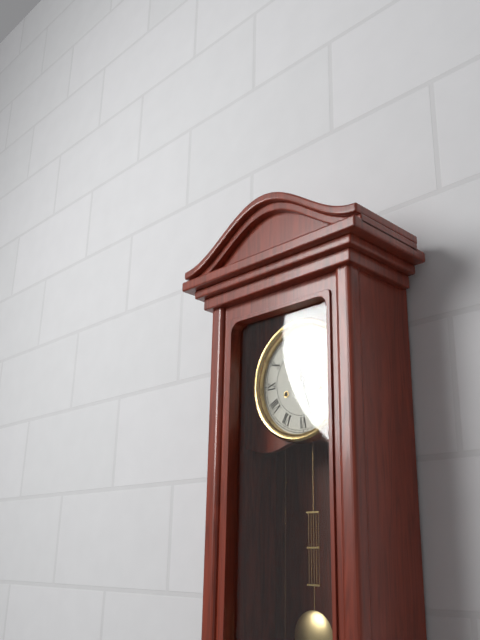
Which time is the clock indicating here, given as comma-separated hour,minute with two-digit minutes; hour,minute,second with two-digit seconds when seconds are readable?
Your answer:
11,27
